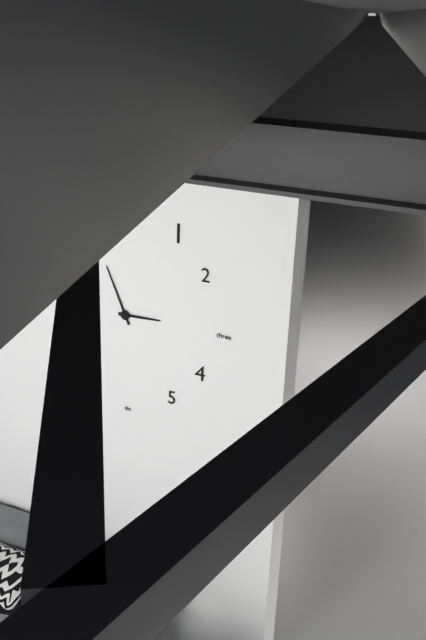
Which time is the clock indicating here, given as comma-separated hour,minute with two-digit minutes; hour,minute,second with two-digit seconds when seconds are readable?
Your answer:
2,56
